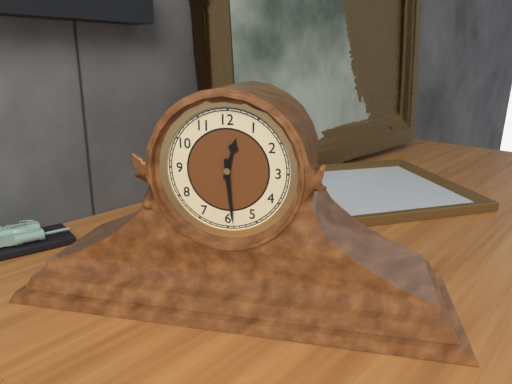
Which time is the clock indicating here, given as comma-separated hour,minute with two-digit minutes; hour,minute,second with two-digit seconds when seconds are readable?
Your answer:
12,29
